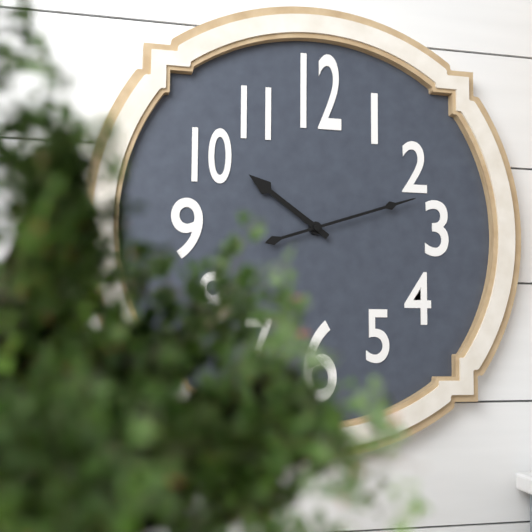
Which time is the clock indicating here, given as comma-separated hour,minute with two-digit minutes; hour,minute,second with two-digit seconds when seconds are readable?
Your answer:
10,12
